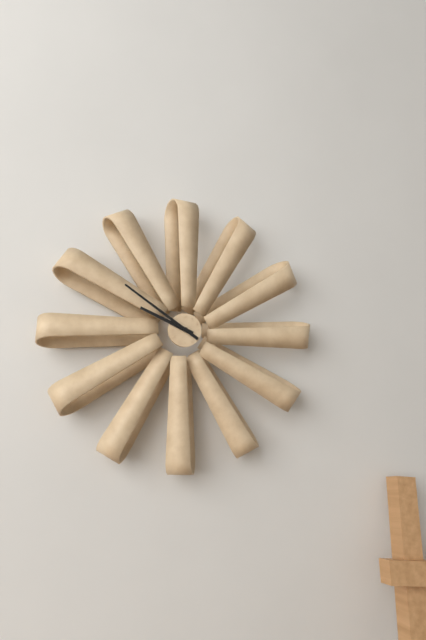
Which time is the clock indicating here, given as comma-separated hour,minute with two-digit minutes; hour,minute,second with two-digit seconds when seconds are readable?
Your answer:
9,51
